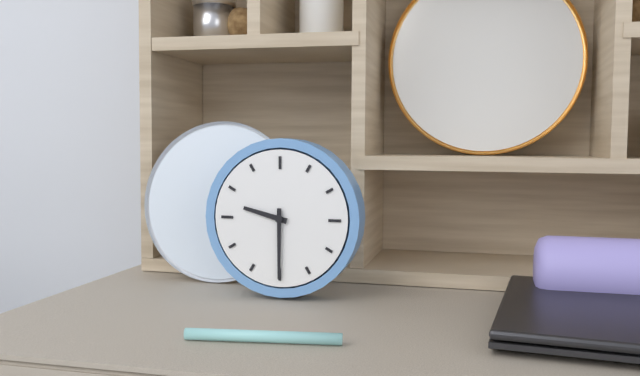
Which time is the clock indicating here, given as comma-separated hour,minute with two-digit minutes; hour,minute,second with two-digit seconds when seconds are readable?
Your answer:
9,30
